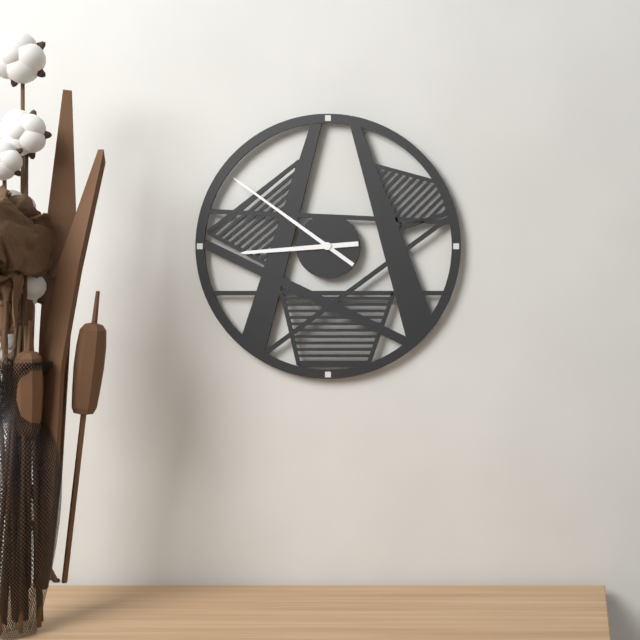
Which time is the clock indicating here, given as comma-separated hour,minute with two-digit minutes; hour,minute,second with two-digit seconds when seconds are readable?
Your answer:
8,51
